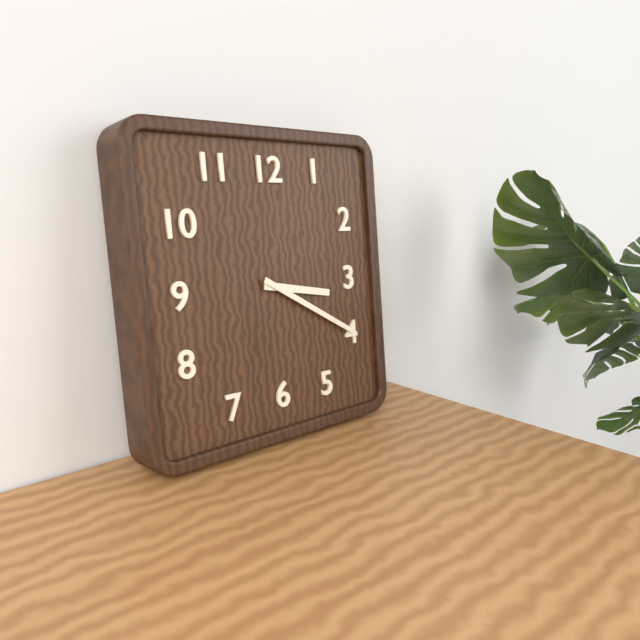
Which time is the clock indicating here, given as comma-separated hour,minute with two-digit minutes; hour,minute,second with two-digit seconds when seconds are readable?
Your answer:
3,20
